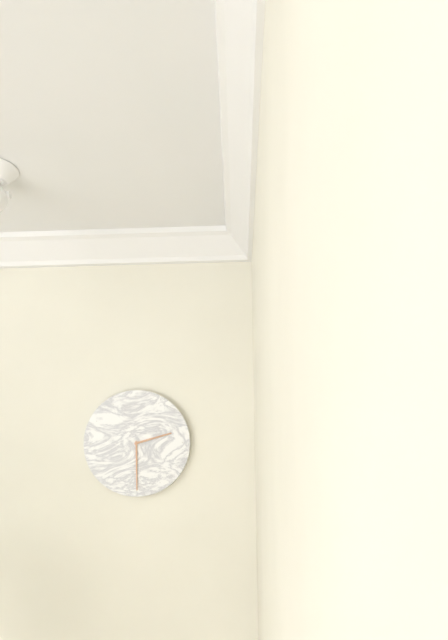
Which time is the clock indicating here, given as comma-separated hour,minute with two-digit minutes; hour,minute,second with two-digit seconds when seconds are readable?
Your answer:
2,30
